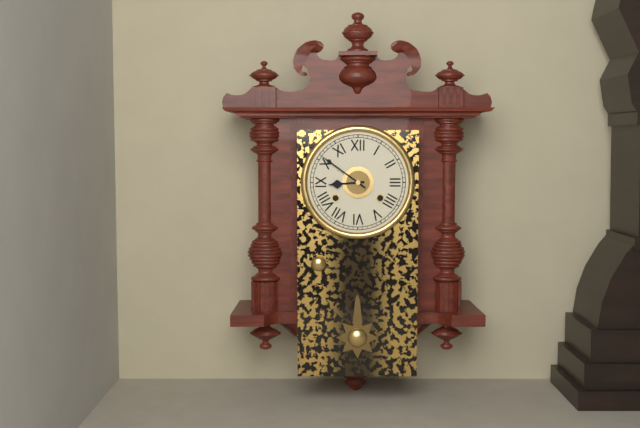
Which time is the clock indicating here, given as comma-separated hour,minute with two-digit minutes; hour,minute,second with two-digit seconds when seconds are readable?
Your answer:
8,51
